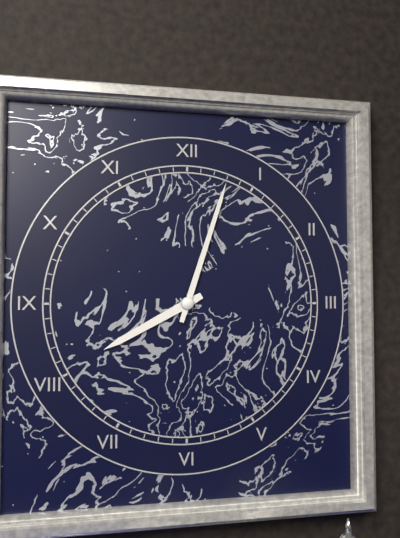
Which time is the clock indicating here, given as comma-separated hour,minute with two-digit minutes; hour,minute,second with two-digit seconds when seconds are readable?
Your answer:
8,03
